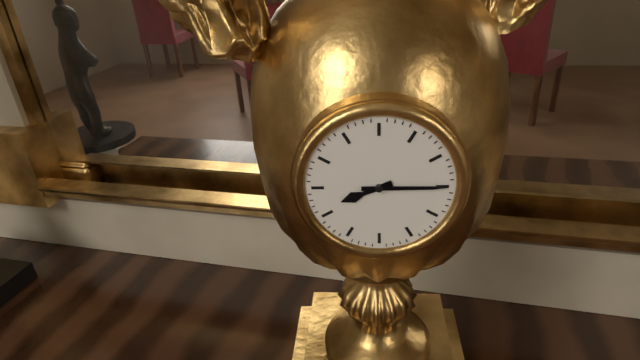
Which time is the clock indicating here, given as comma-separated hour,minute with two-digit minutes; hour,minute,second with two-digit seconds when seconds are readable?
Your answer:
8,15
